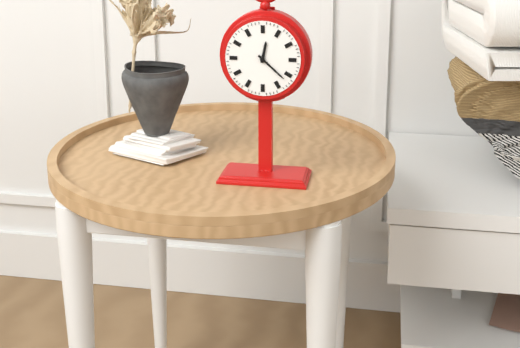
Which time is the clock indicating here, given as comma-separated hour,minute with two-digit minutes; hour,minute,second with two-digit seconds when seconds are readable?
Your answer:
12,22
